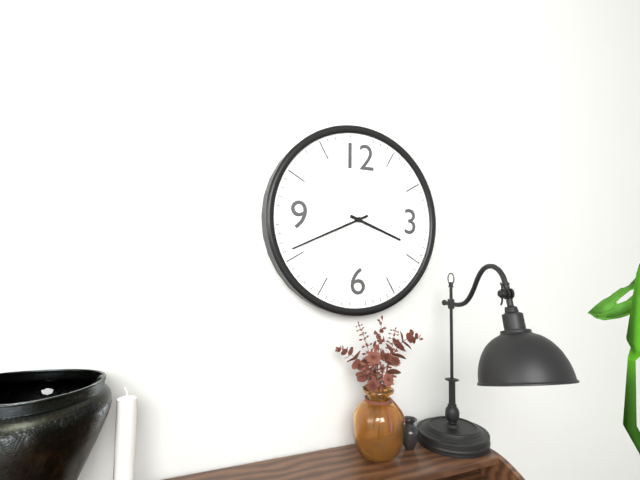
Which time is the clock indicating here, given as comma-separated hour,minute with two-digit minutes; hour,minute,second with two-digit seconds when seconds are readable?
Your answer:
3,41
